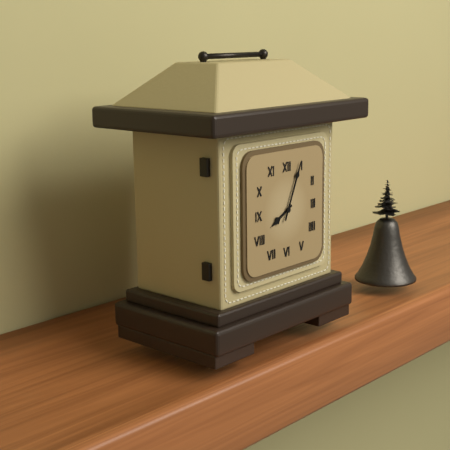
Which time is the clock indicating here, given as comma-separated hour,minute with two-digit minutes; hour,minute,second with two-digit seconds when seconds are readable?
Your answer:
8,04
